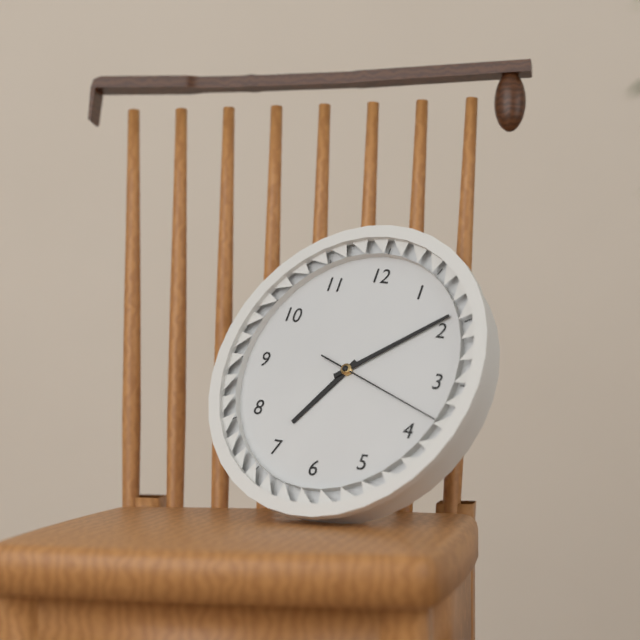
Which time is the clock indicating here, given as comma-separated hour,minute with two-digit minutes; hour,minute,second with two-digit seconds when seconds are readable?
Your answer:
7,09,18
